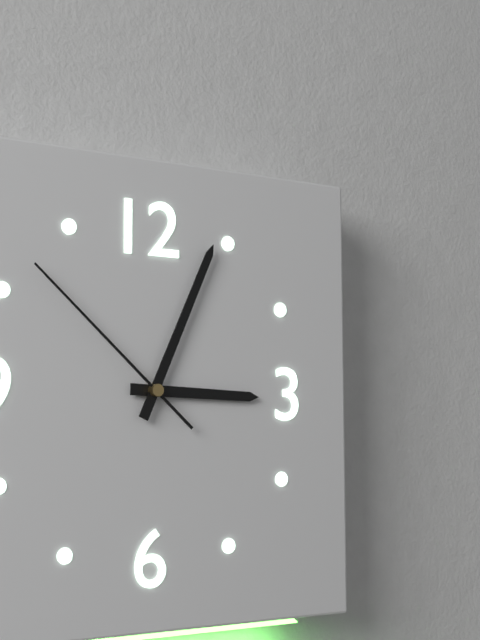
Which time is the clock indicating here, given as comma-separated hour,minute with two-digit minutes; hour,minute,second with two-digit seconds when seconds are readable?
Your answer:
3,04,52
